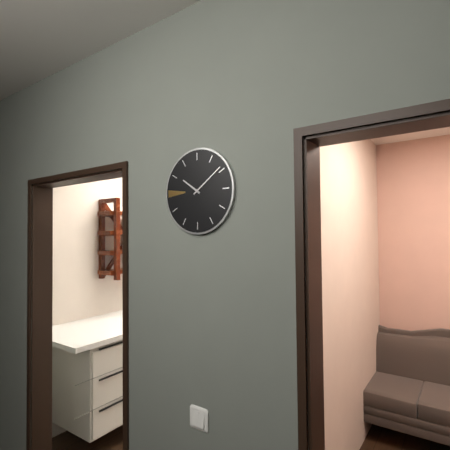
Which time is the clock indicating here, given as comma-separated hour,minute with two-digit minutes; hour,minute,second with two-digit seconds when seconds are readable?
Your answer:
10,09
